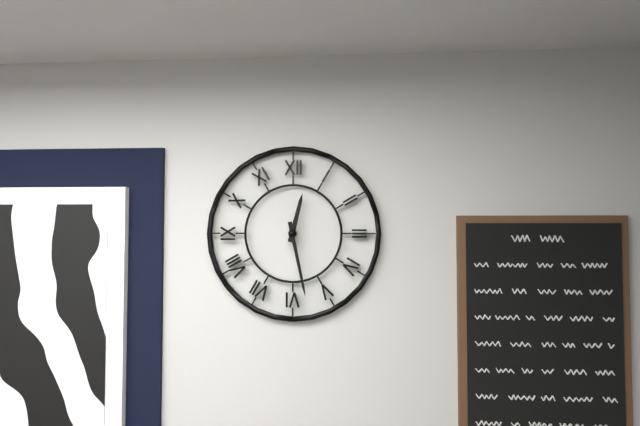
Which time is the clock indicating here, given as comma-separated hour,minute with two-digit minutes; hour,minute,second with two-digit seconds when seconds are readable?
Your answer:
12,28
